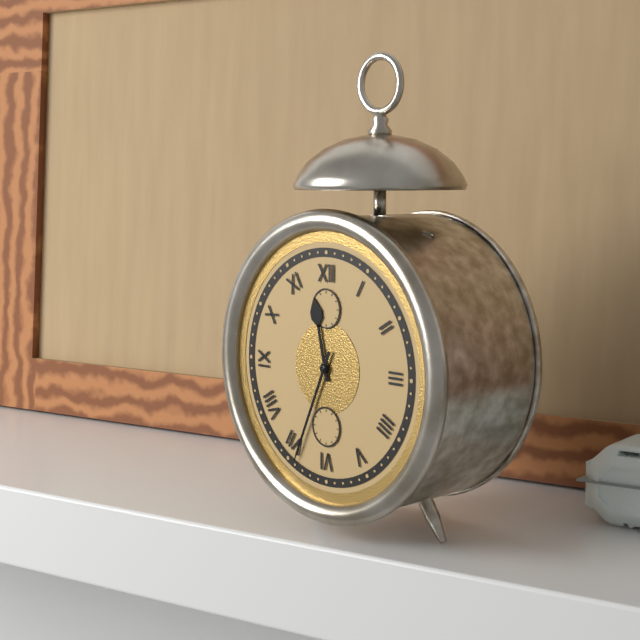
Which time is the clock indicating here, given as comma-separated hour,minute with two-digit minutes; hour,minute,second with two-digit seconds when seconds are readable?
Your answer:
11,34
